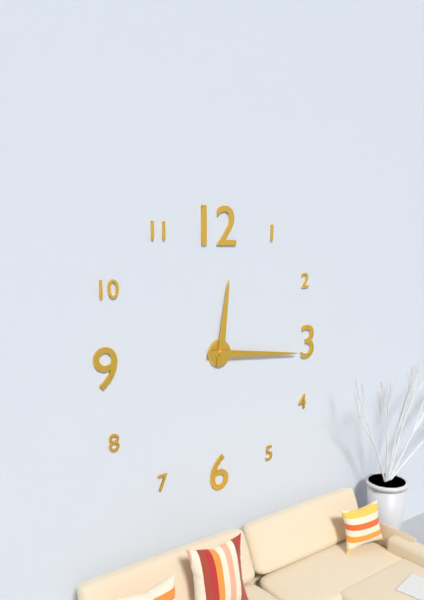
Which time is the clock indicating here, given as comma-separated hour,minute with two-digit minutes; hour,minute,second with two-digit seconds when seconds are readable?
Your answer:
12,16
